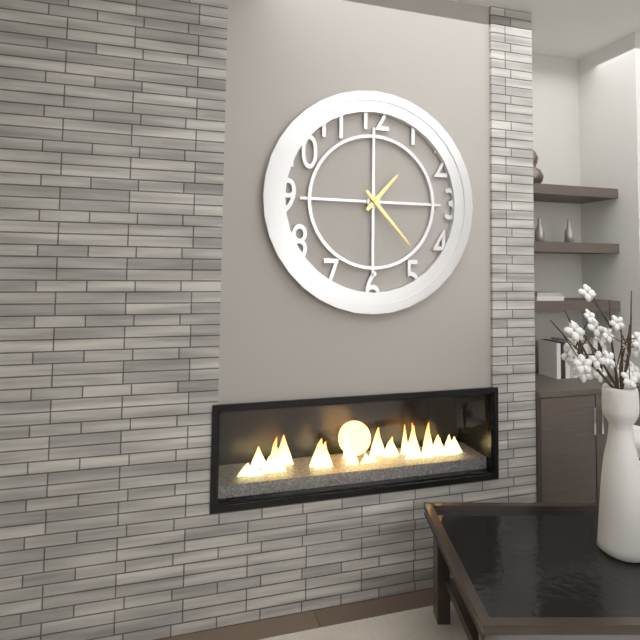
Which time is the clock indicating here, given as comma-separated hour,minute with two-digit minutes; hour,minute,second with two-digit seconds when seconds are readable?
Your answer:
1,23
